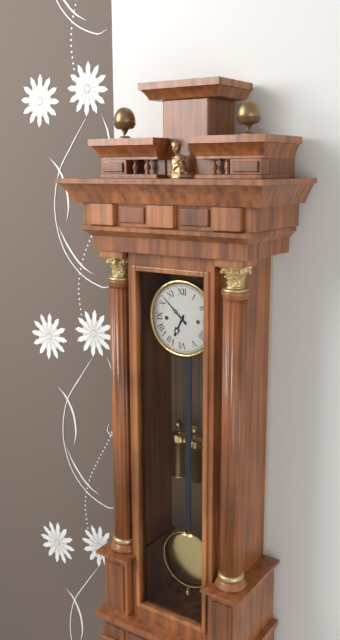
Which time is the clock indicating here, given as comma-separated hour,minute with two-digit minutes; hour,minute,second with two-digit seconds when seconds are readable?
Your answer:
6,52
